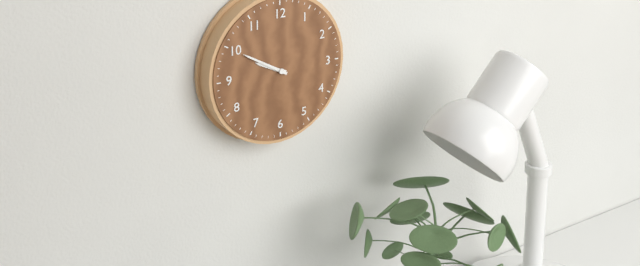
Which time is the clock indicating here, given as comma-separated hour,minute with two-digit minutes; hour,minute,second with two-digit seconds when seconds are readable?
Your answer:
9,50
